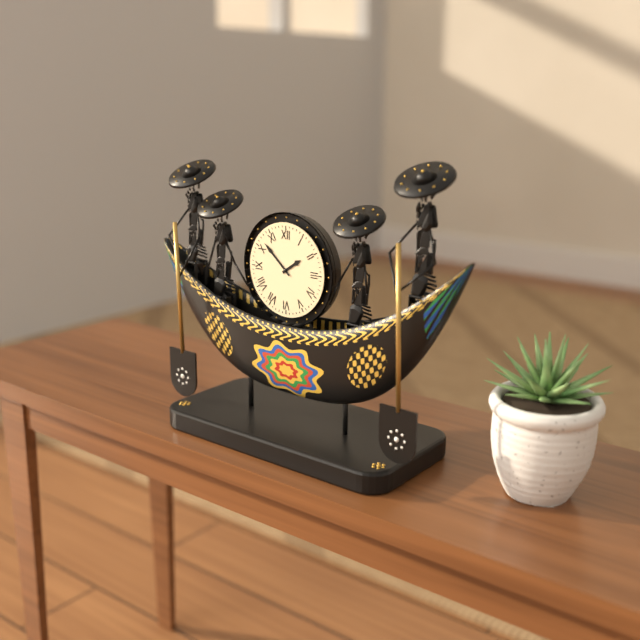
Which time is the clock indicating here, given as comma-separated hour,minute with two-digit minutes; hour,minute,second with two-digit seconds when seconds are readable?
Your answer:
1,52
